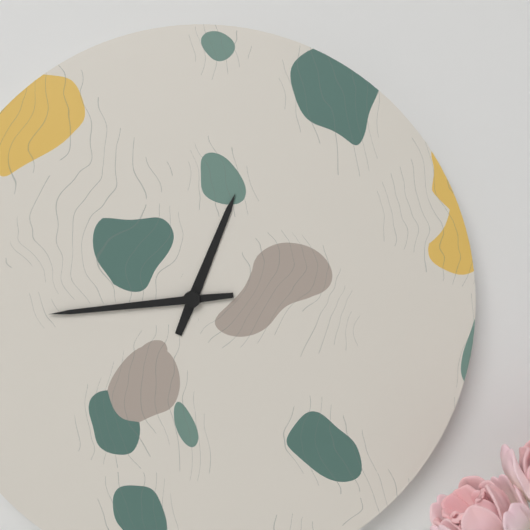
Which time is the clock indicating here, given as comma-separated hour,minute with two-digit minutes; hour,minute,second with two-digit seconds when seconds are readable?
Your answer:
12,44
